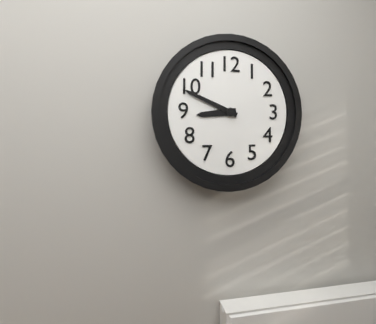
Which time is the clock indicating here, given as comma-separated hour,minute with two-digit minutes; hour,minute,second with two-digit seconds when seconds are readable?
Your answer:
8,49
